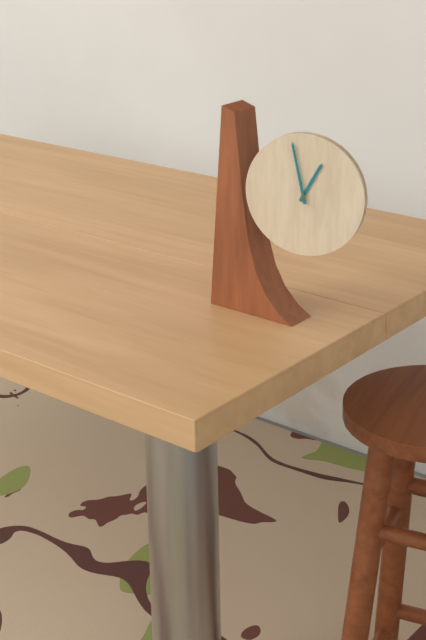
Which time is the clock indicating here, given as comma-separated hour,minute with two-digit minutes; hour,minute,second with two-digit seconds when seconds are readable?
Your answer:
12,58
